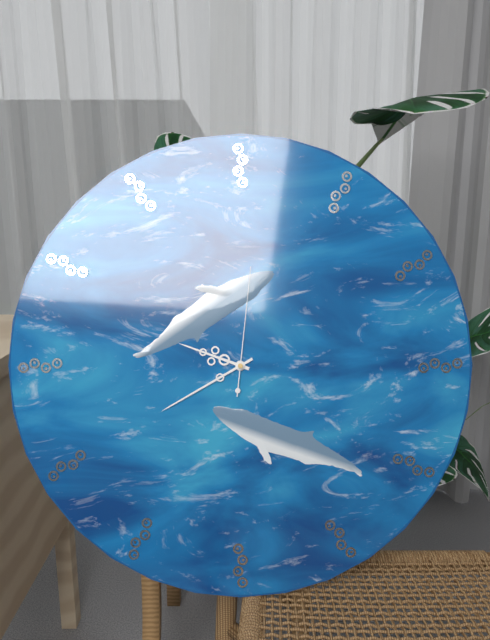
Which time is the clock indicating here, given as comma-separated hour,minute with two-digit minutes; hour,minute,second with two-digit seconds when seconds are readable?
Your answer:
9,40,01
